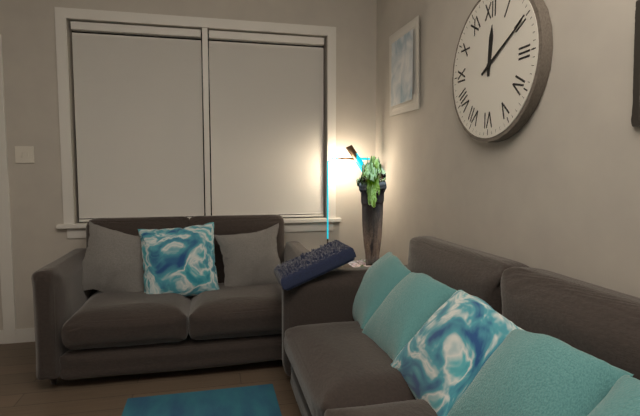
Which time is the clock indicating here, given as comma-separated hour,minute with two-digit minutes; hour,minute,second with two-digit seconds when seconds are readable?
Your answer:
12,10
